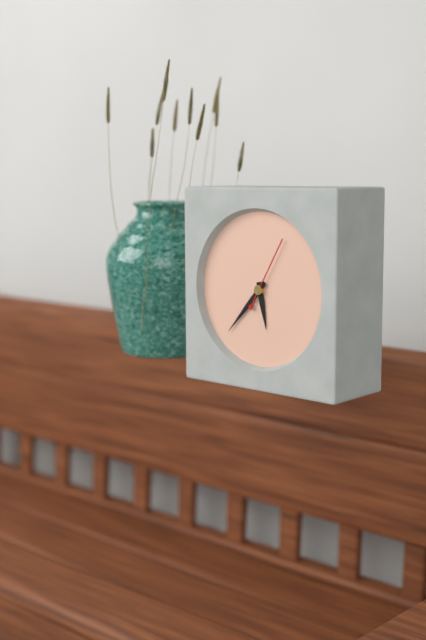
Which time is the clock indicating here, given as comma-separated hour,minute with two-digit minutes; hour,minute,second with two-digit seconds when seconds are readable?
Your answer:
5,37,05
